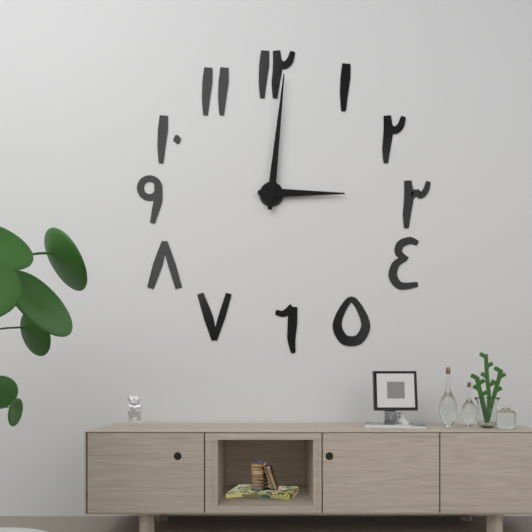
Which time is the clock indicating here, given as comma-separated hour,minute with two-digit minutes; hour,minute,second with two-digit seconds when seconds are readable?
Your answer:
3,01
